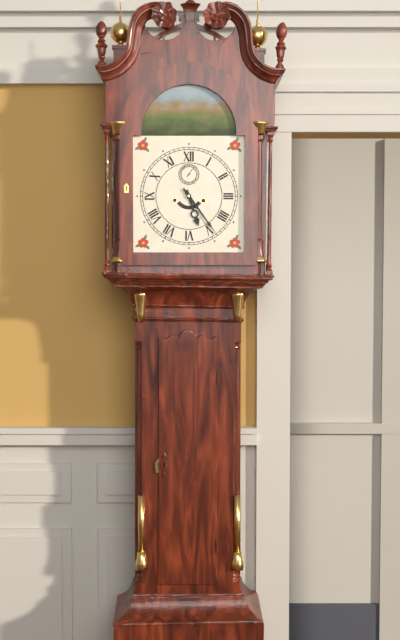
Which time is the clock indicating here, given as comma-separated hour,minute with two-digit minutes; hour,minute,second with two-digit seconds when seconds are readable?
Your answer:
5,24
